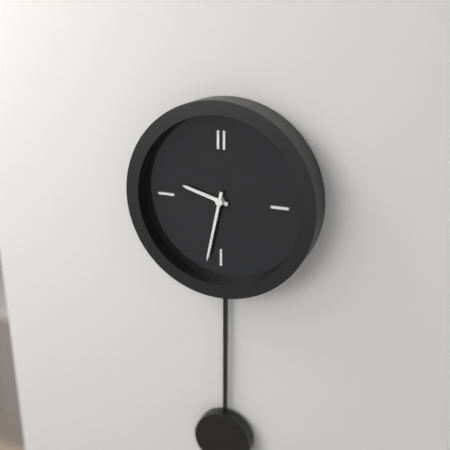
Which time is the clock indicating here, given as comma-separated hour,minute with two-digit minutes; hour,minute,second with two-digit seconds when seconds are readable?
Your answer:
9,32
